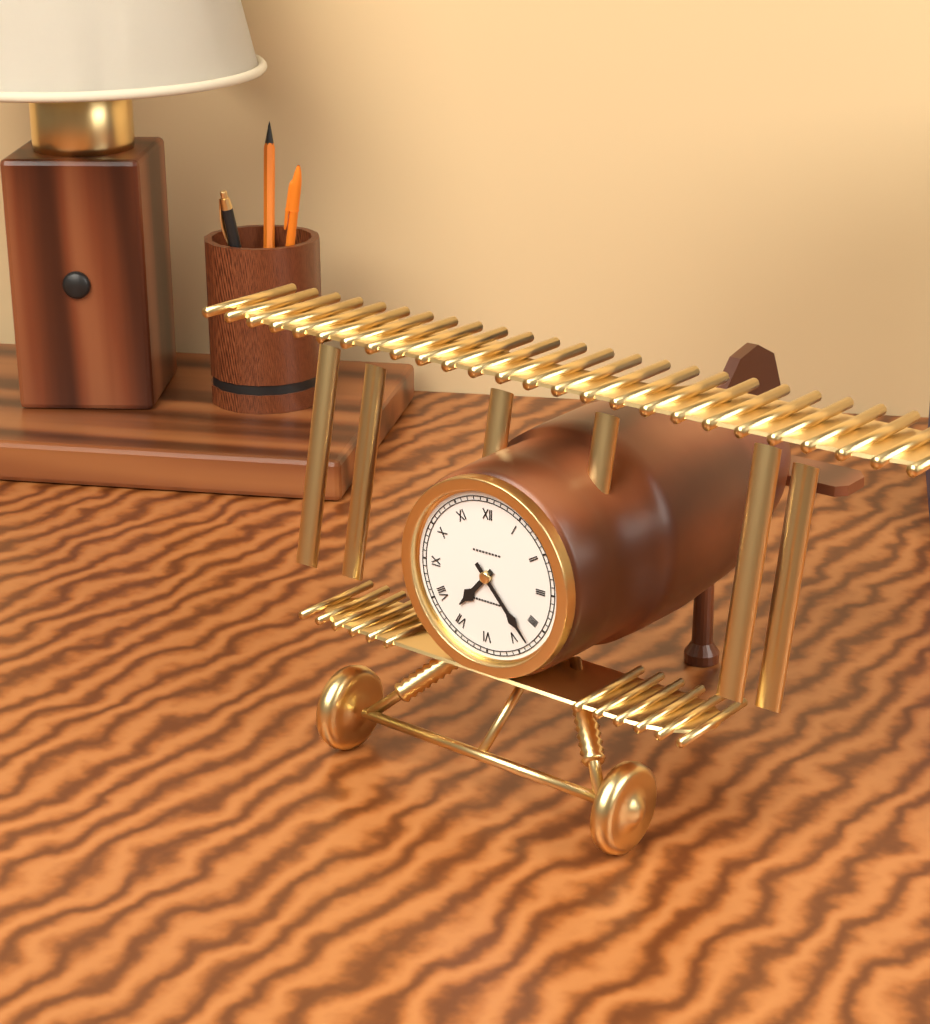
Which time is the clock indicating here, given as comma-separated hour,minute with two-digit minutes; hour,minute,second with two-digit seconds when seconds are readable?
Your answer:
7,23
